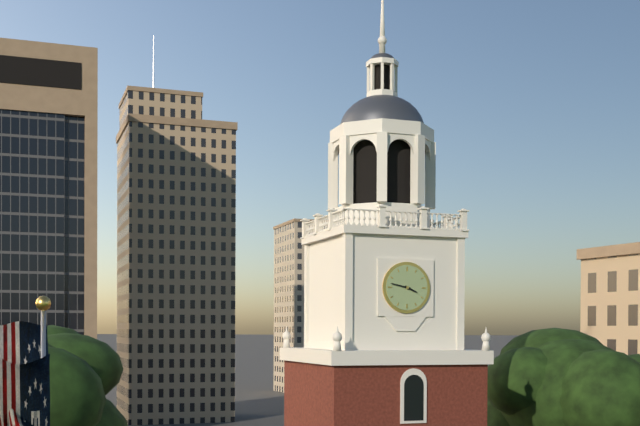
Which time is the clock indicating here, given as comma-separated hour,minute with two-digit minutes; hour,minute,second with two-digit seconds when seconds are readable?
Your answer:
3,47
